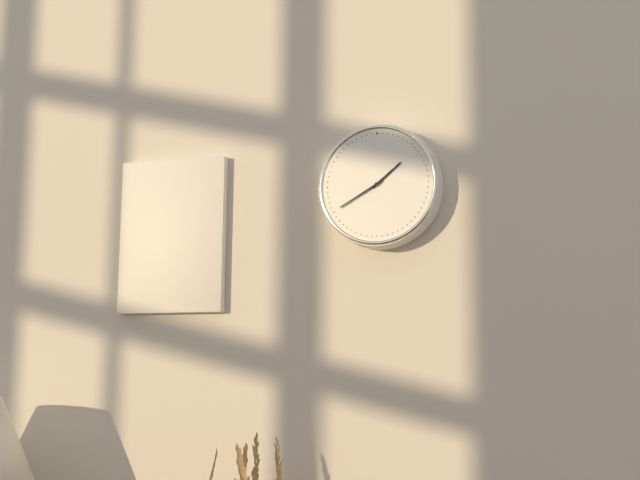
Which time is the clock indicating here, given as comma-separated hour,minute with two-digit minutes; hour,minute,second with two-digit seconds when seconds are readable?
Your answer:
1,40
